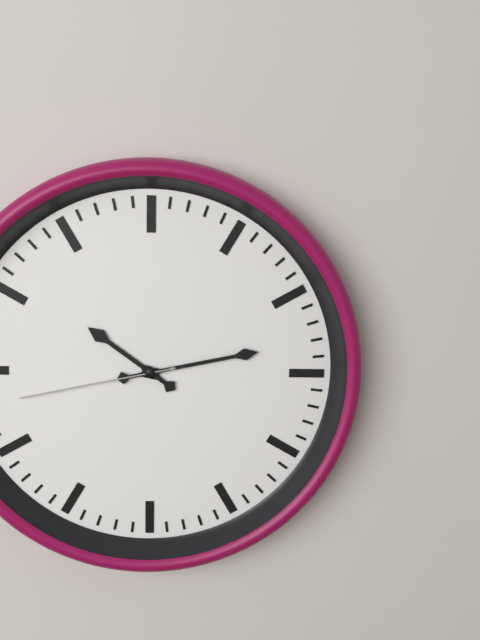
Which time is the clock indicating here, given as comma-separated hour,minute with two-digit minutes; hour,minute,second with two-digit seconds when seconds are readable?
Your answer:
10,13,43
